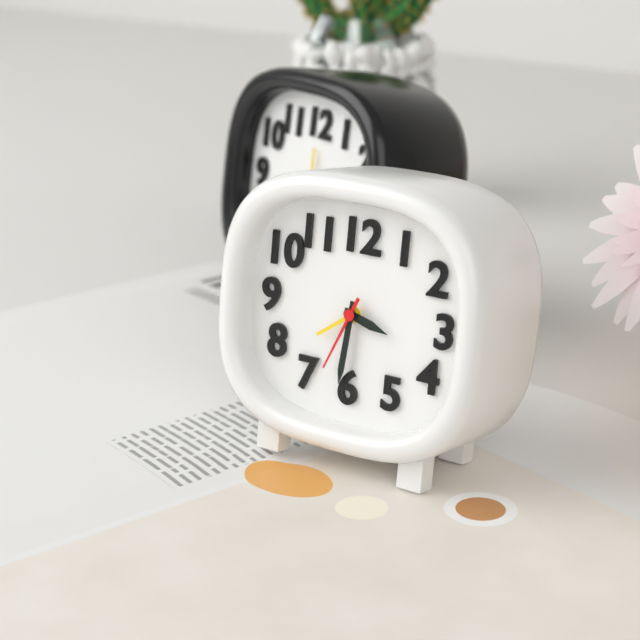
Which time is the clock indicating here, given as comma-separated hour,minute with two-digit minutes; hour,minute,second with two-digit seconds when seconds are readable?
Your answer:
3,31,34
